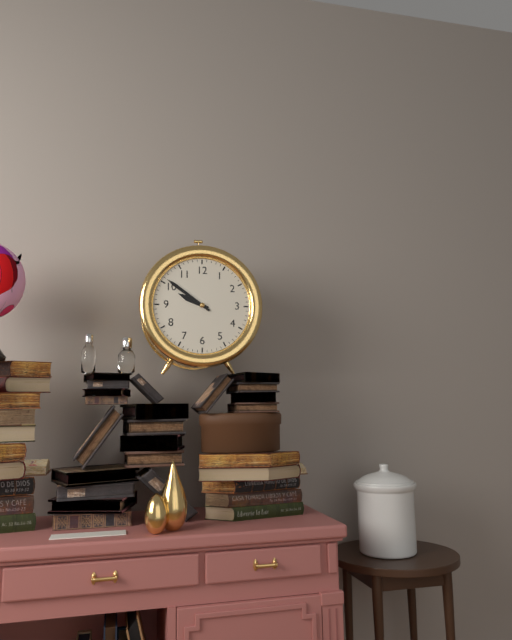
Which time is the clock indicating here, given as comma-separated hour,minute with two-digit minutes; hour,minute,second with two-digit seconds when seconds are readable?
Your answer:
9,51
